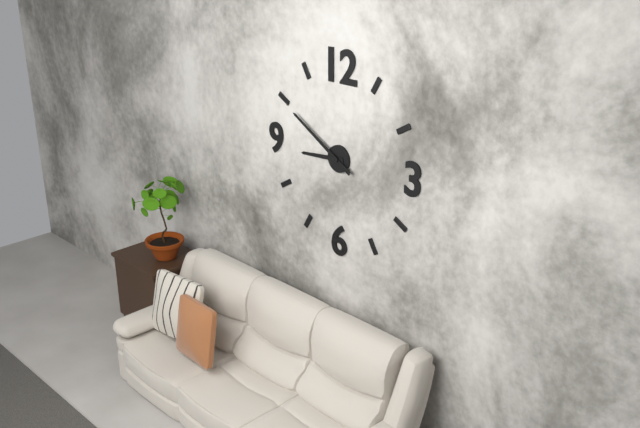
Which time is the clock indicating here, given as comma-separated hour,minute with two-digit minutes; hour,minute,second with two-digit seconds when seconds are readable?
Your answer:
8,50
